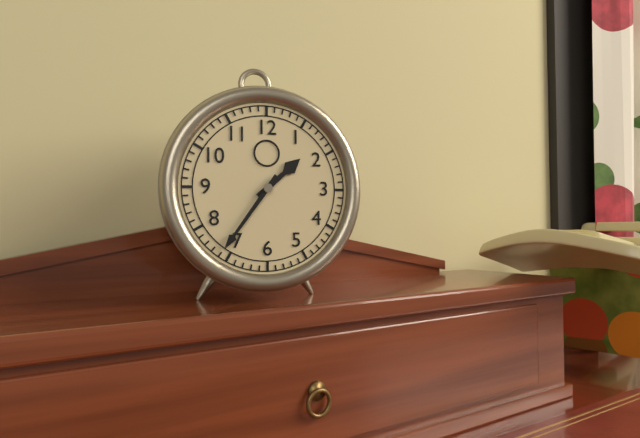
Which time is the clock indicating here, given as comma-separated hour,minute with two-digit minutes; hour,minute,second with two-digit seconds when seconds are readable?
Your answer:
1,36
